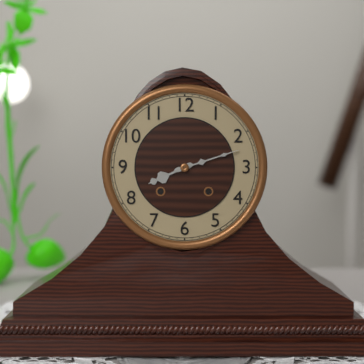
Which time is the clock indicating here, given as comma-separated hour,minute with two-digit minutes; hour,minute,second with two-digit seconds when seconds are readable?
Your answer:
8,12
